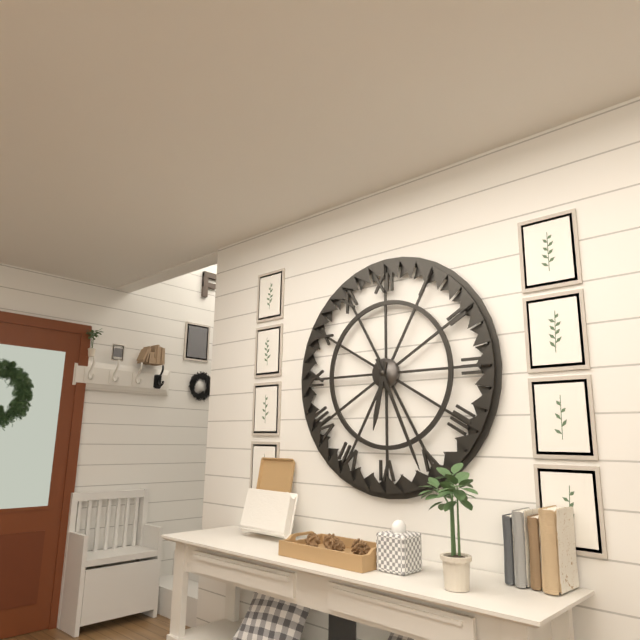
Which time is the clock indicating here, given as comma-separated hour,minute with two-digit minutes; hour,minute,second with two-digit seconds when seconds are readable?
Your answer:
6,26
